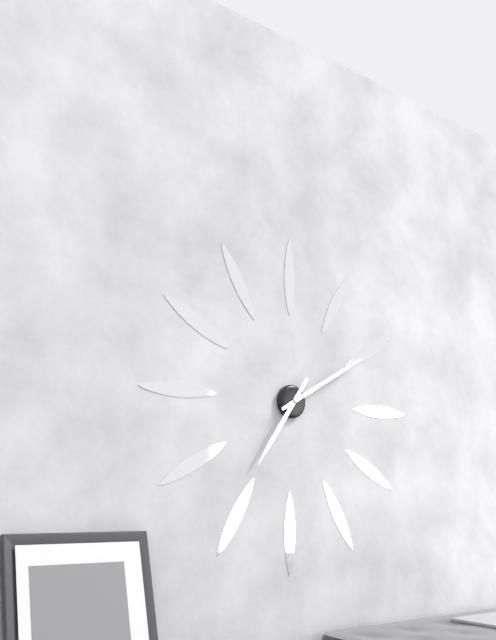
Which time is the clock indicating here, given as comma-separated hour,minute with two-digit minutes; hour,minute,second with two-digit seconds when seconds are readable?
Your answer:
7,10
